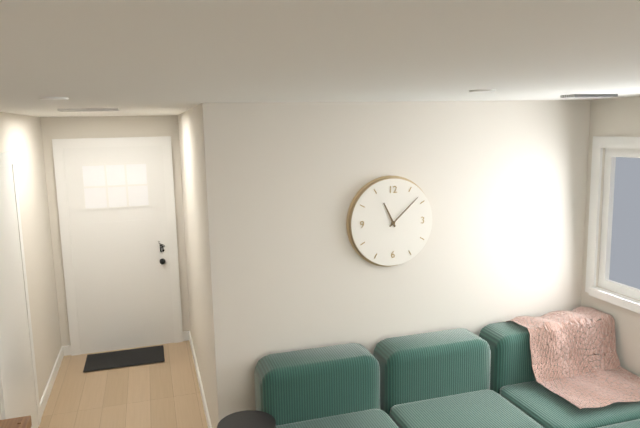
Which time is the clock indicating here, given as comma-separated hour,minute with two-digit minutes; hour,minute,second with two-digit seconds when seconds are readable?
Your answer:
11,08
